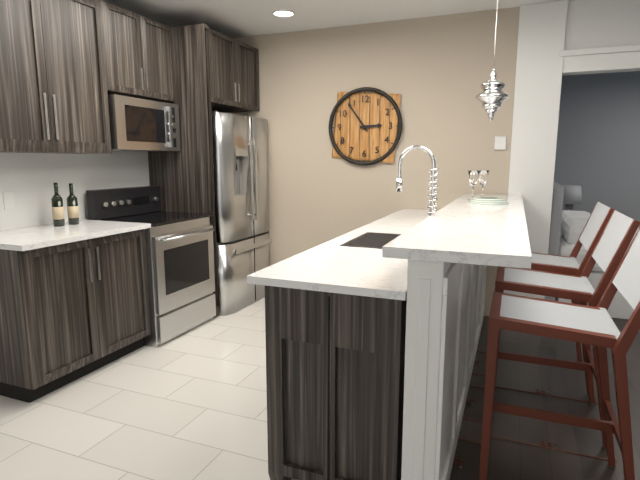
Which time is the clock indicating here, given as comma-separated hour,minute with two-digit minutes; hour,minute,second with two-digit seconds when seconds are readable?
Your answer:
2,54
